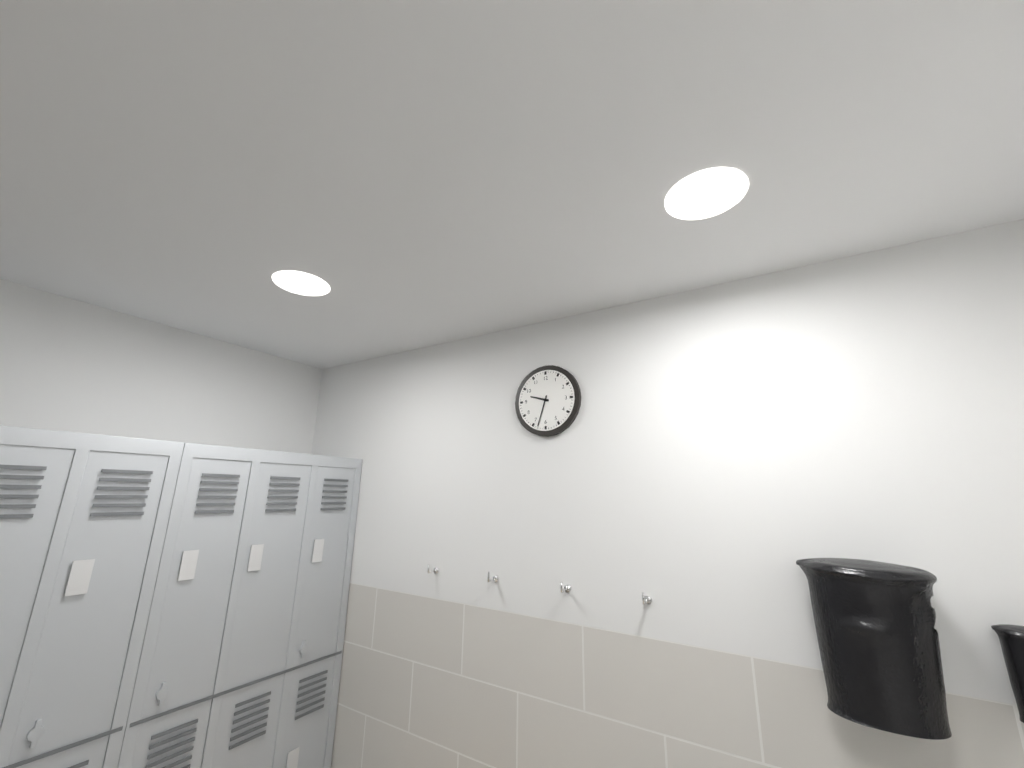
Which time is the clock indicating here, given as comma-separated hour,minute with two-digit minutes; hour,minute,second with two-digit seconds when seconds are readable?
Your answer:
9,33
